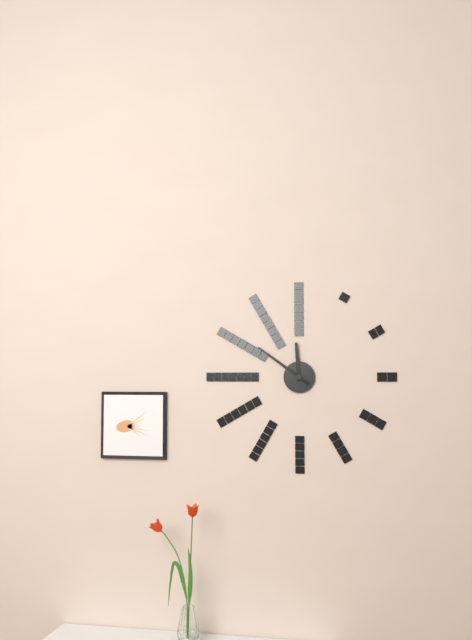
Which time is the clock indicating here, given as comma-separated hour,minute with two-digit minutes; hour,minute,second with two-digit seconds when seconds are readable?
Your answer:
11,51
